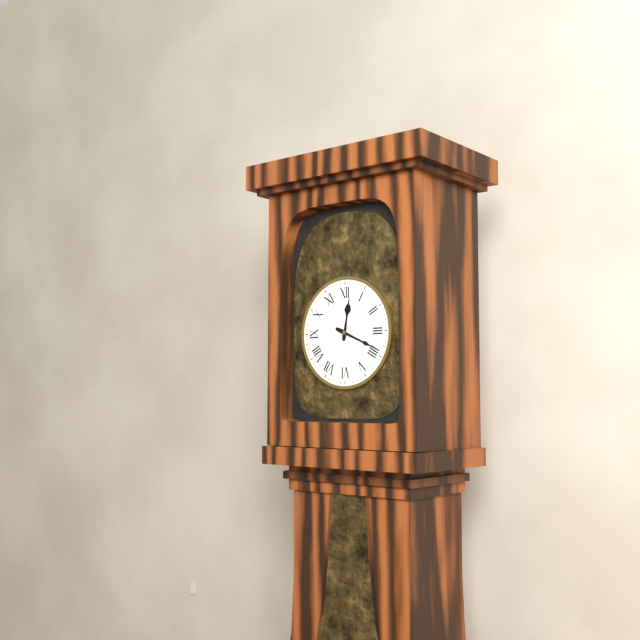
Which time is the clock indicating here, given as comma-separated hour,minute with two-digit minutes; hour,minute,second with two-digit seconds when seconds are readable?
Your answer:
12,19
